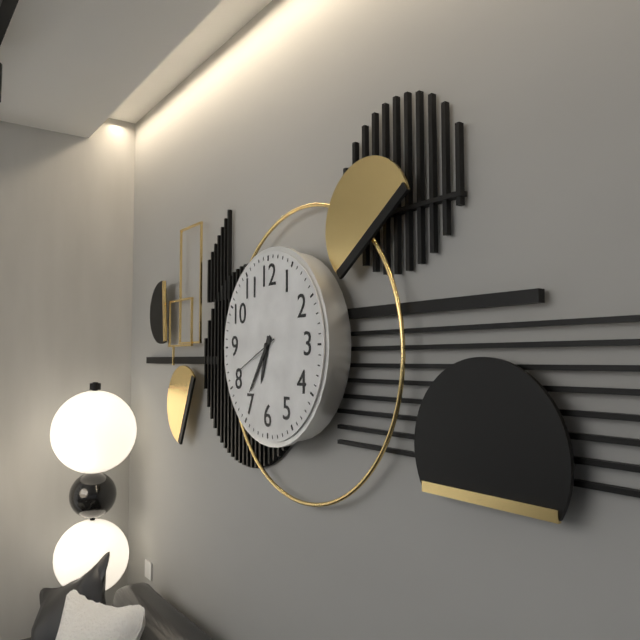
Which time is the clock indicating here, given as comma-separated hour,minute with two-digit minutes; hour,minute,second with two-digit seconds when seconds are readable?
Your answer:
6,36
